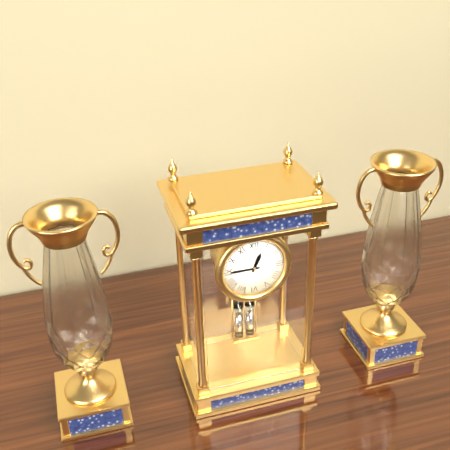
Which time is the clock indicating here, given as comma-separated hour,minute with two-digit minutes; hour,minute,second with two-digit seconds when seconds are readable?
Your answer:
12,45
